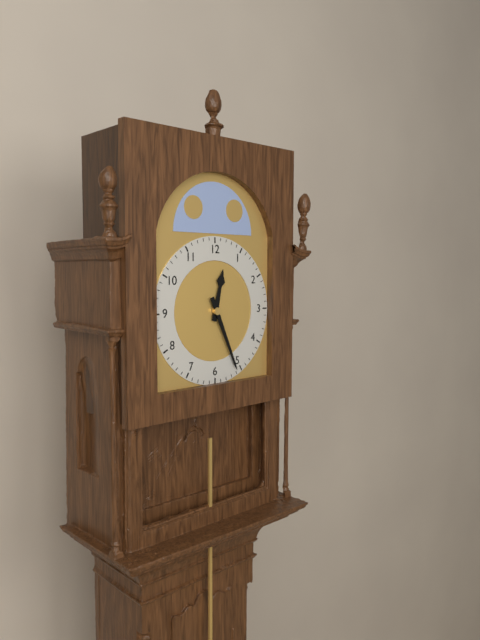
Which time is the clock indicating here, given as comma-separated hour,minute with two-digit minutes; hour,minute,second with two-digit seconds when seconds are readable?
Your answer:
12,26
